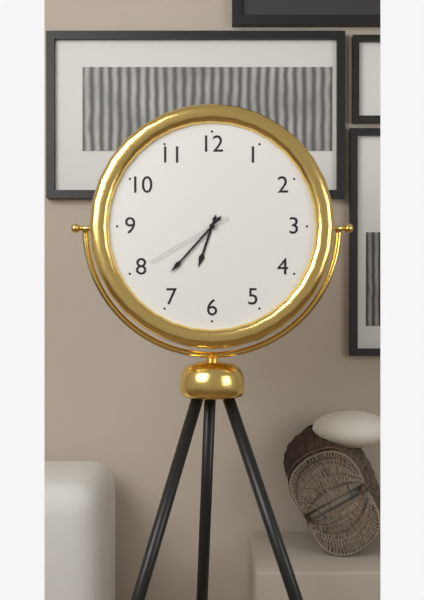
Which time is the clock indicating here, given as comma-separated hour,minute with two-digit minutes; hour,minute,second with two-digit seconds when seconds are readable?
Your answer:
6,37,40
